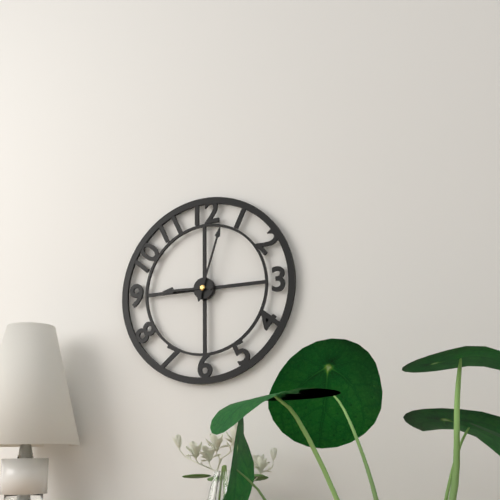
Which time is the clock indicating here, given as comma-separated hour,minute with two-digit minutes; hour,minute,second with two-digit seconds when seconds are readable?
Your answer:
9,03
